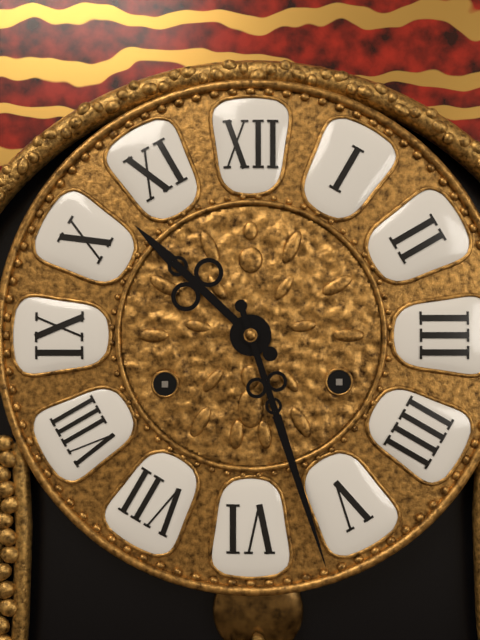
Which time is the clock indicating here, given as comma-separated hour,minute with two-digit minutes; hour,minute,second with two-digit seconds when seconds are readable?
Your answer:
10,27
